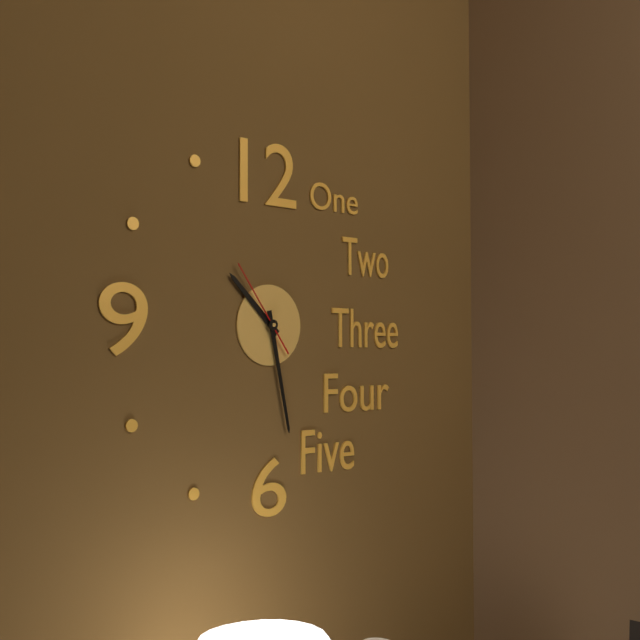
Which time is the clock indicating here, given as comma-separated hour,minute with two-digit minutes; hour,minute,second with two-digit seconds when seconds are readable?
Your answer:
10,28,54
